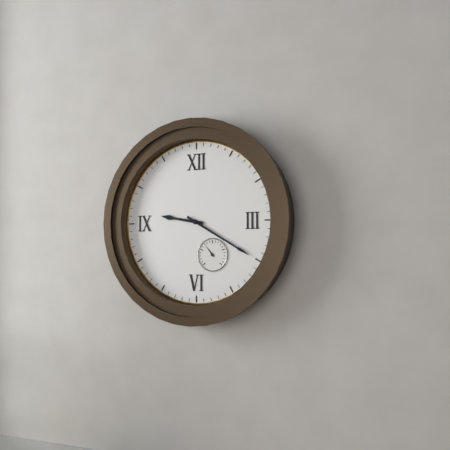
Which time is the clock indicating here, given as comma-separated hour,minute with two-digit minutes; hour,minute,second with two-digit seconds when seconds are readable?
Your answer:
9,20
